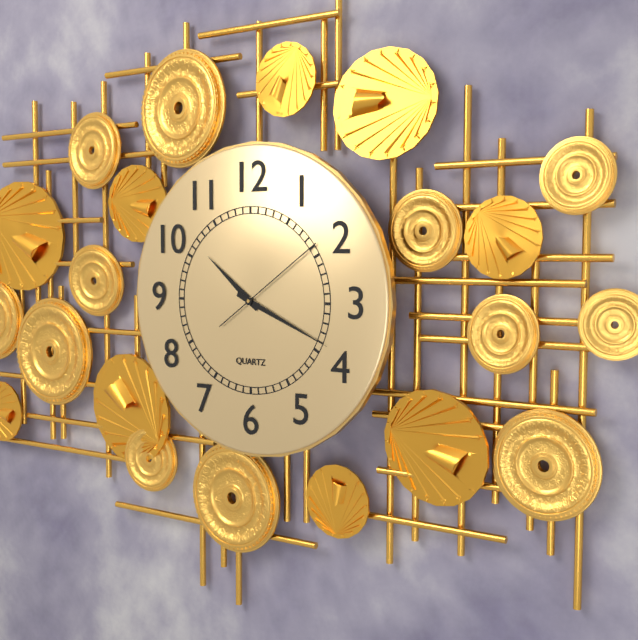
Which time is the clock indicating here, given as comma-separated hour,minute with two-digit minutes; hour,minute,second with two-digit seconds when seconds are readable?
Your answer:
10,19,09
